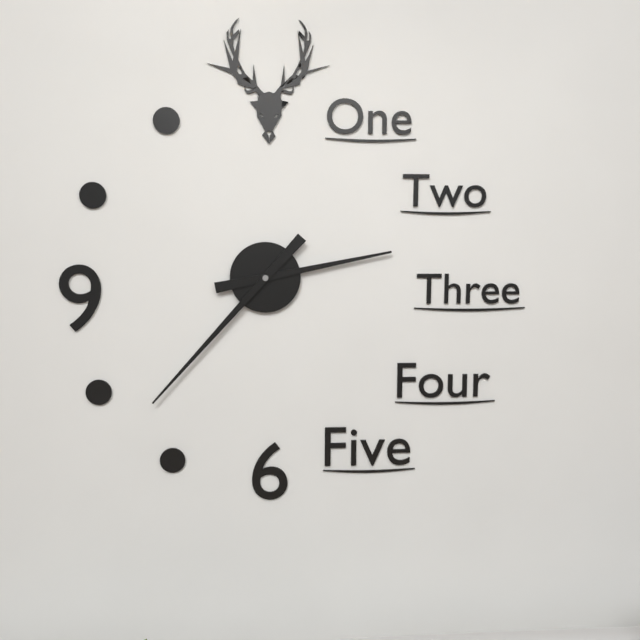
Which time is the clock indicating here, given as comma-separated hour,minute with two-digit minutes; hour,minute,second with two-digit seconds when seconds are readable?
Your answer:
2,37
